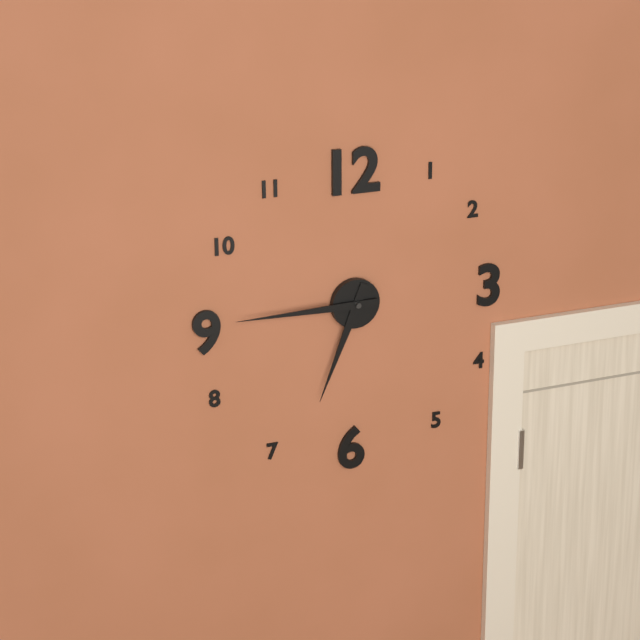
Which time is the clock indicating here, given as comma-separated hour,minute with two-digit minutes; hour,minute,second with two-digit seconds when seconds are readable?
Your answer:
6,45
